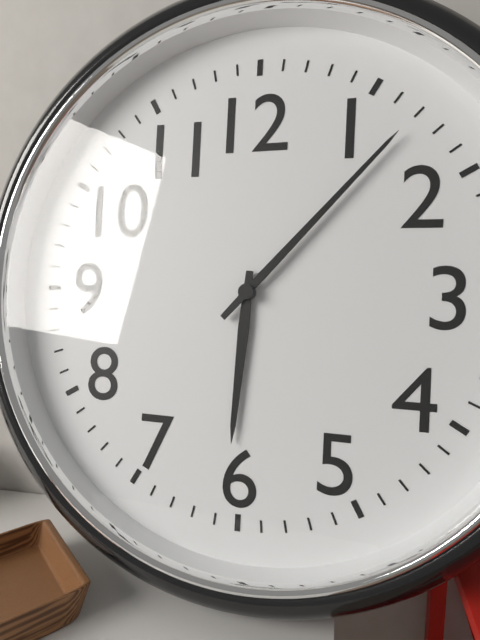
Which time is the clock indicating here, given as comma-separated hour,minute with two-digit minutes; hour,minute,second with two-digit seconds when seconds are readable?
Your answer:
6,07
